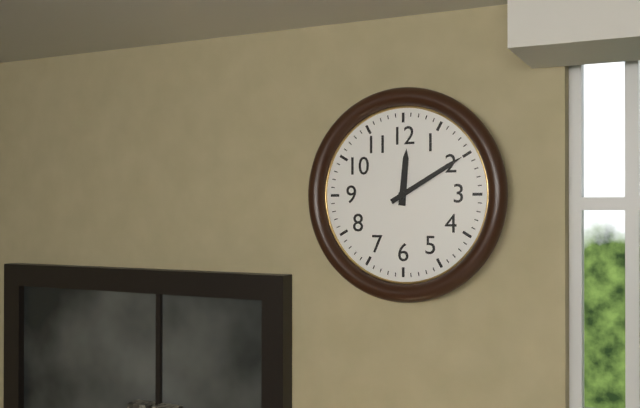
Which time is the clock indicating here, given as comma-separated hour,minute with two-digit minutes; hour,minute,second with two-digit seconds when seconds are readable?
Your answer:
12,10
